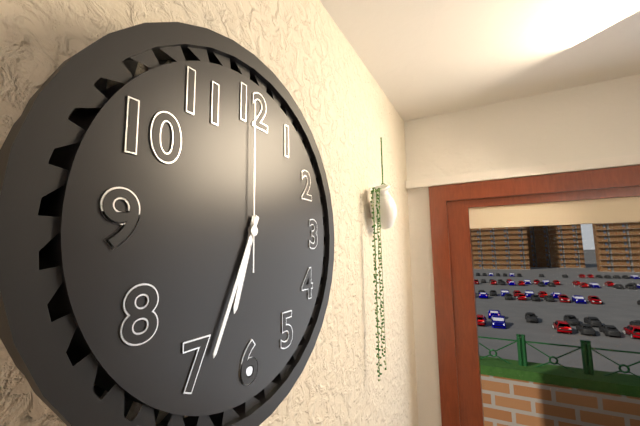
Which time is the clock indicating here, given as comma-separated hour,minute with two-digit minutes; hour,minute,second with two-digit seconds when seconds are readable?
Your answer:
6,34,00
